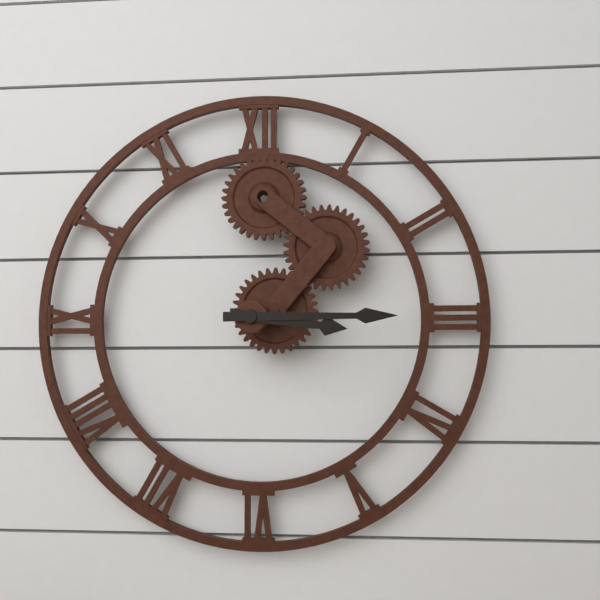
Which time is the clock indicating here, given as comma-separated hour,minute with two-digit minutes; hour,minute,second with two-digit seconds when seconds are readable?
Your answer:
3,15
